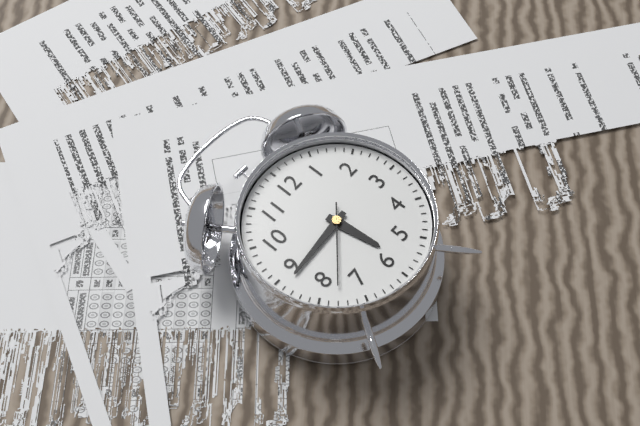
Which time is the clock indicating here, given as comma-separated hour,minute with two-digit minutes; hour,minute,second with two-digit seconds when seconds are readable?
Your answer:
5,44,38
